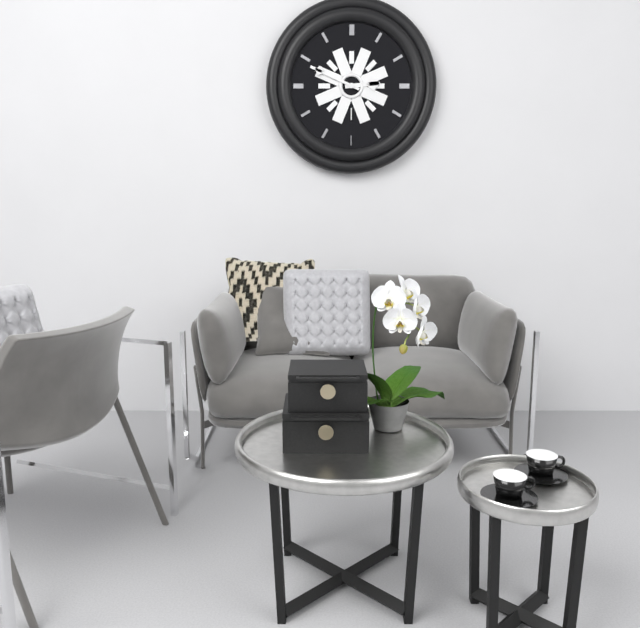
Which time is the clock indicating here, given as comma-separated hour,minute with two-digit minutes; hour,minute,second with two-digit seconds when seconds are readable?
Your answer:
2,49
